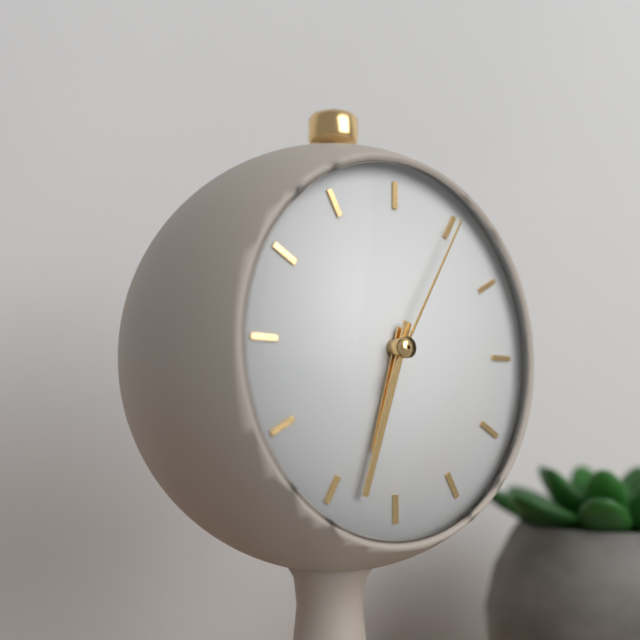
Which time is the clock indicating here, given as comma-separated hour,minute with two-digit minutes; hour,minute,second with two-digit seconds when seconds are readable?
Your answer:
6,33,05
